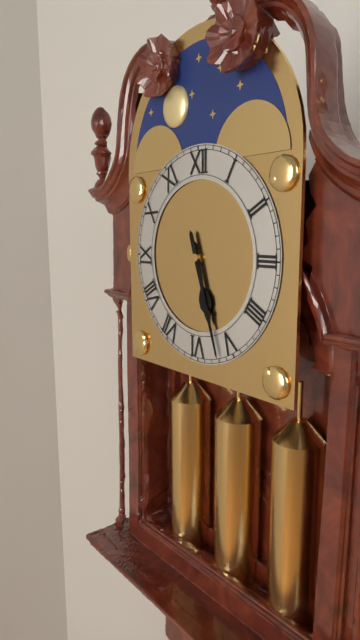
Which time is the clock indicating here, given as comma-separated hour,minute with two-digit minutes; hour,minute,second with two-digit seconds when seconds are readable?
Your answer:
5,27
